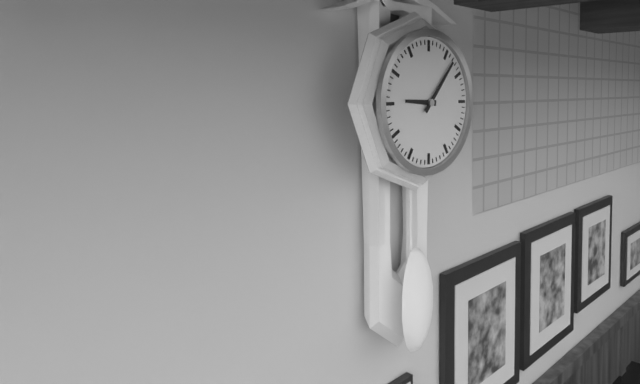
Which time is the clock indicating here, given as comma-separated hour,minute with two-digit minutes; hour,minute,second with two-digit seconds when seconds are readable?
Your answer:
9,07
